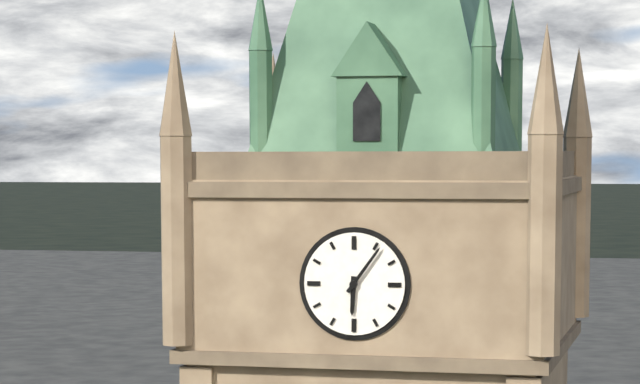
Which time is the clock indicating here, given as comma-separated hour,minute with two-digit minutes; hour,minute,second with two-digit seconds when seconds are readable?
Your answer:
6,06
